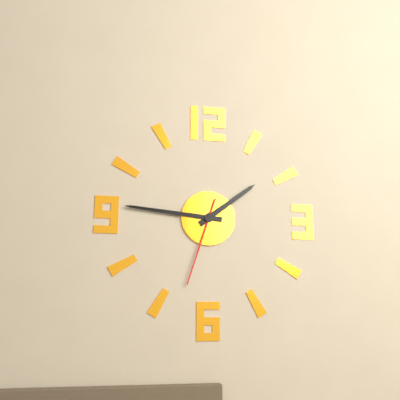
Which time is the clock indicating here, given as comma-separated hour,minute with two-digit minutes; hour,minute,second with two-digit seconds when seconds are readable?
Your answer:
1,46,33
